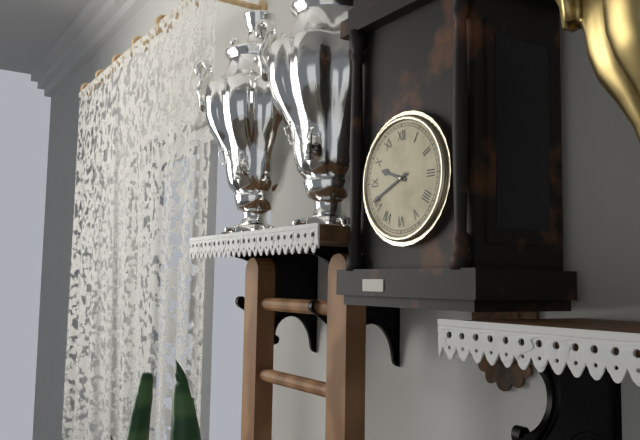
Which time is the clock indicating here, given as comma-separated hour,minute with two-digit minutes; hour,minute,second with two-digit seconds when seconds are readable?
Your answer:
9,41
